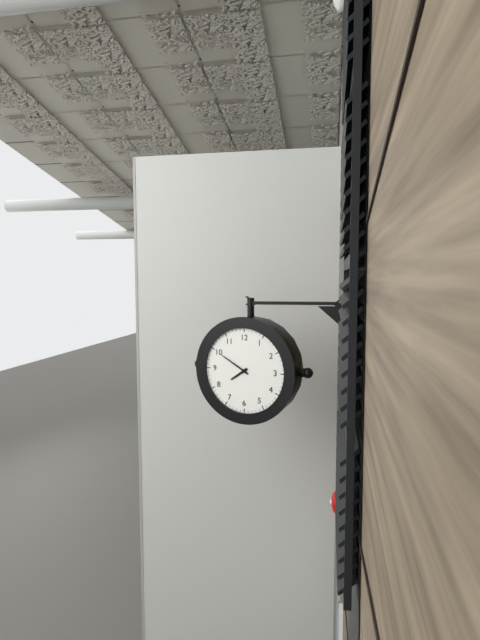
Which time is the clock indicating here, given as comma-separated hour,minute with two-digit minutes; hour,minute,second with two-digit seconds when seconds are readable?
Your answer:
7,50
